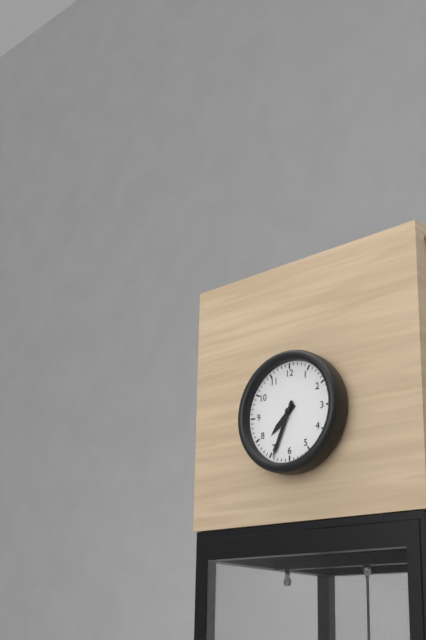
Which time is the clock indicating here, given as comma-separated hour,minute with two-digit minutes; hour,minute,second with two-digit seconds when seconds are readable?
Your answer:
7,34
